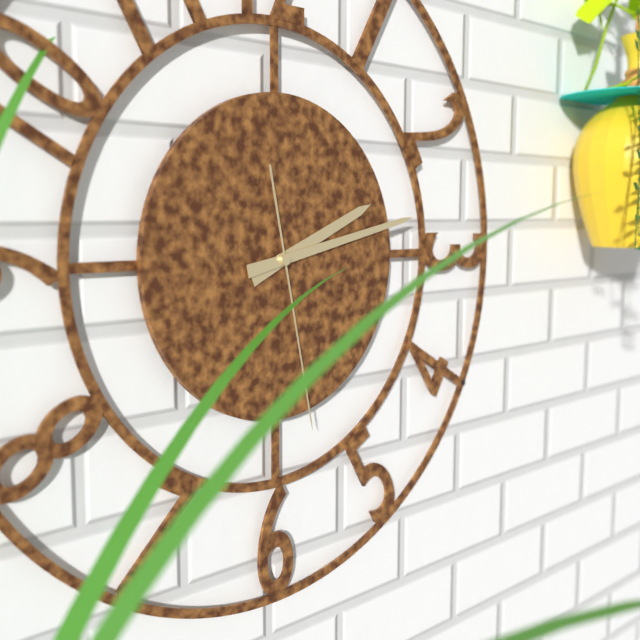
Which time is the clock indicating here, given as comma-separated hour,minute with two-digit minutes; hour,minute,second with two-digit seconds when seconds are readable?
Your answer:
2,13,28
